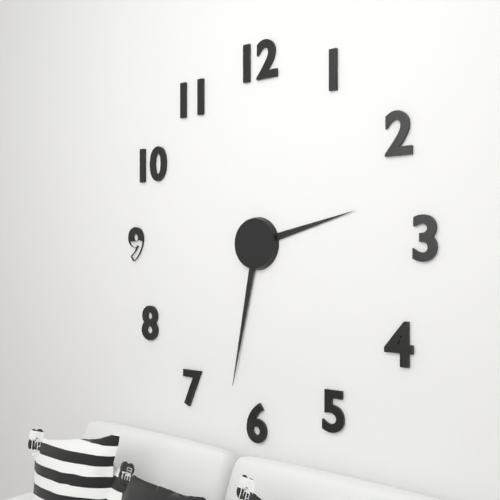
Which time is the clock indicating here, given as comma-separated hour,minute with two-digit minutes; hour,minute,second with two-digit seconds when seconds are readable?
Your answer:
2,32
